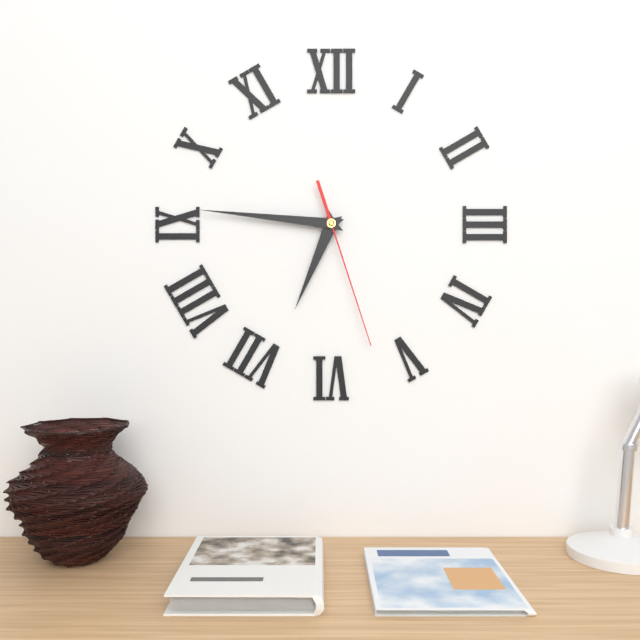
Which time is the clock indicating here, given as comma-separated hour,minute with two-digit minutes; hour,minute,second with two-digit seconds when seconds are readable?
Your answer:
6,46,27
